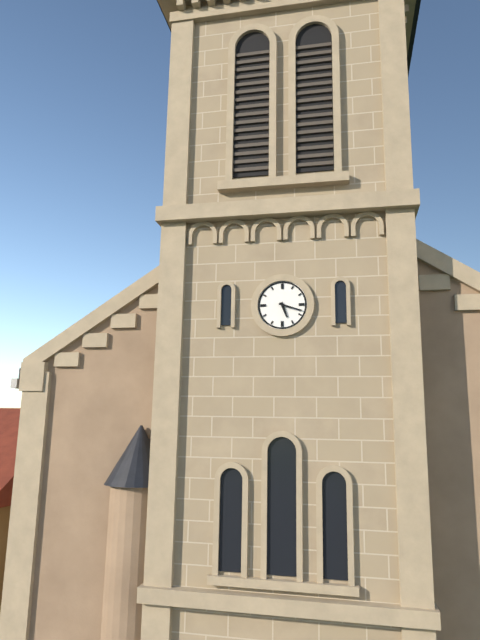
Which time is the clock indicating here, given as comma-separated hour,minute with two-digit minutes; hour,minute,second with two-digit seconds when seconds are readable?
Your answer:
5,18
